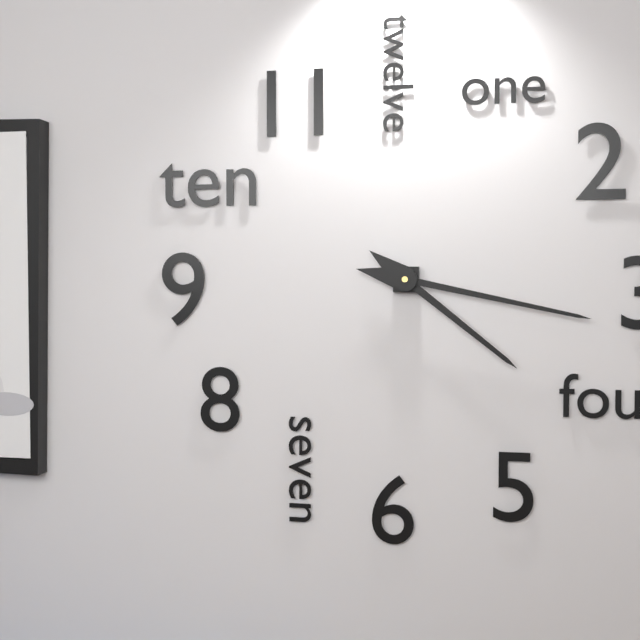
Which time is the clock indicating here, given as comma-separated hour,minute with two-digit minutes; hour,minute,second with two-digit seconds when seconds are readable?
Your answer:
4,17
